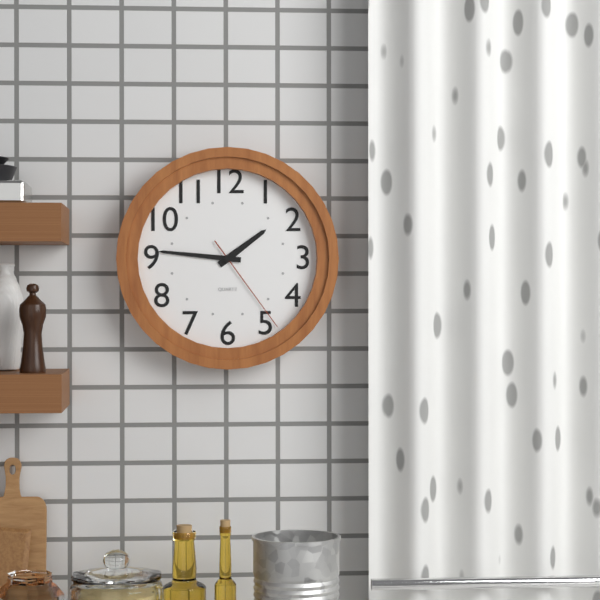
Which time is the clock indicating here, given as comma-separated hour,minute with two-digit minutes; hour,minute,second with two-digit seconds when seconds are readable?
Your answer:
1,46,24
